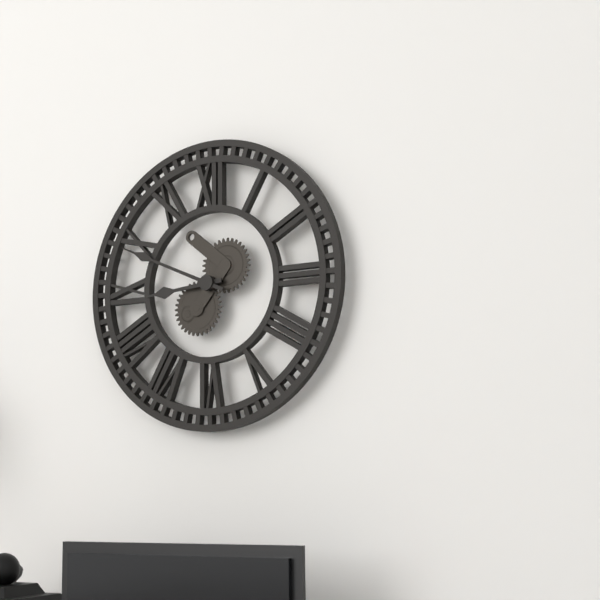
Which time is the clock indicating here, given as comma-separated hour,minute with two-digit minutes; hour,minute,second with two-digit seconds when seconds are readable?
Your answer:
8,49
